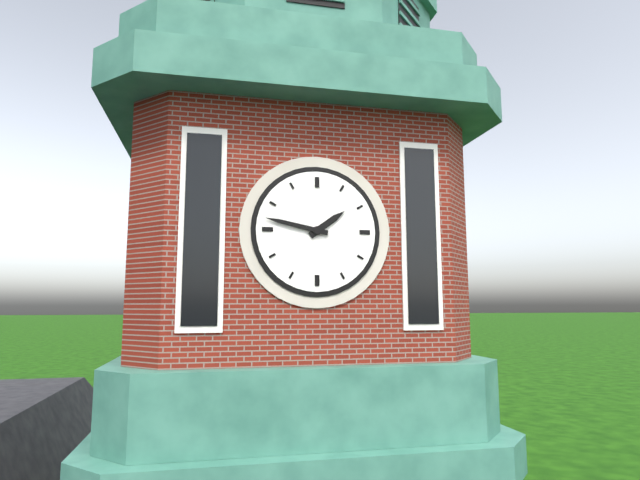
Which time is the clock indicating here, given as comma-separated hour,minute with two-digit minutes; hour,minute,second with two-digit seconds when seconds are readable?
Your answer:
1,47
